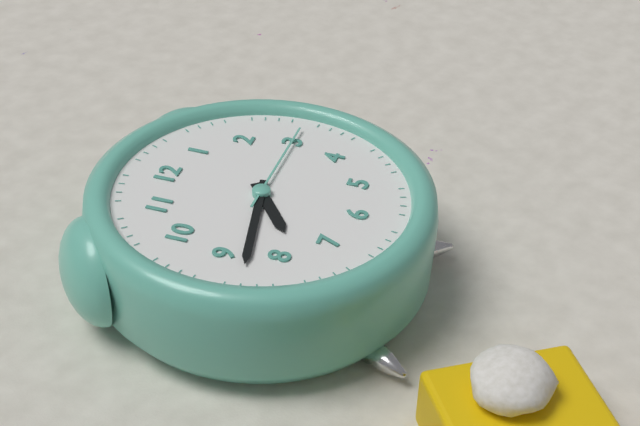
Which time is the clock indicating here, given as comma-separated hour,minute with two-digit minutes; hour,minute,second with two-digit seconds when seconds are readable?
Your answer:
7,43,15
